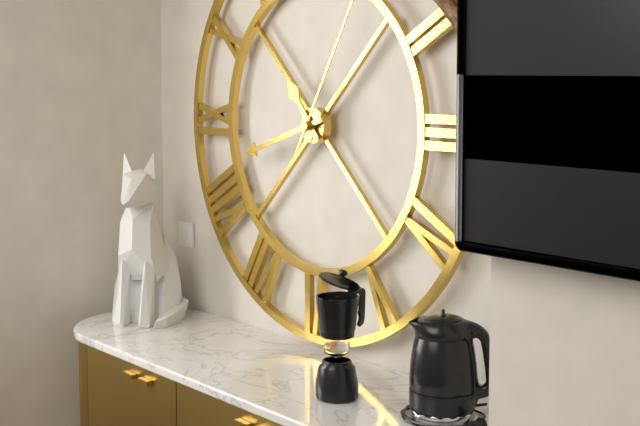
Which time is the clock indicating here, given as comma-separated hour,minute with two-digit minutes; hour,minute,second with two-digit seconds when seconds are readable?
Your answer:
10,42,05
